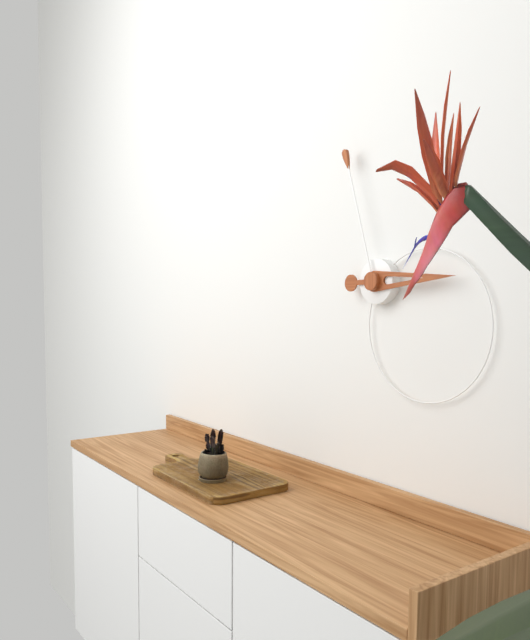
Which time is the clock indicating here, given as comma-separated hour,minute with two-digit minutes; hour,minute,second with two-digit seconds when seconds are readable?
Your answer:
2,57
